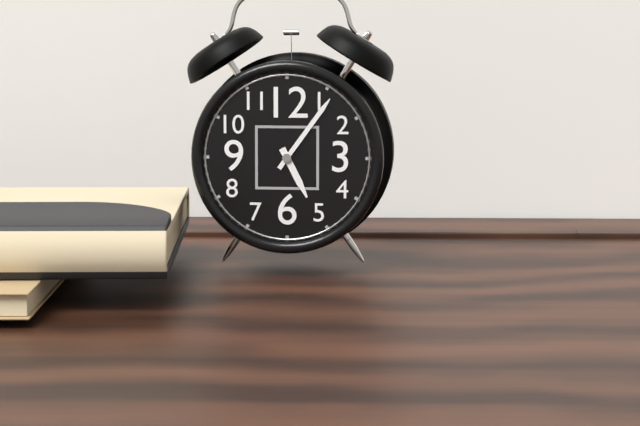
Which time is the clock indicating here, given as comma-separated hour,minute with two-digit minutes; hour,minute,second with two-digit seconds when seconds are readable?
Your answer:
5,06
